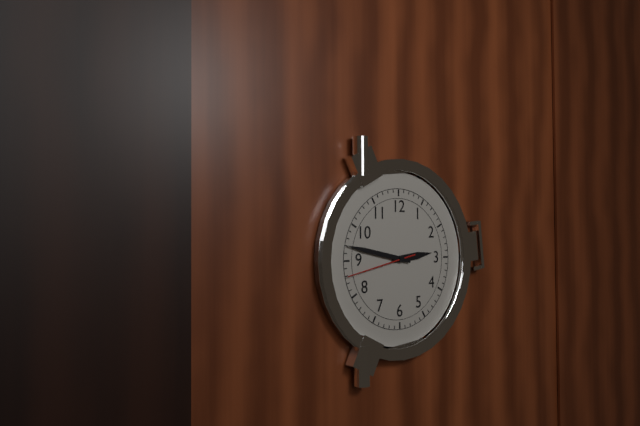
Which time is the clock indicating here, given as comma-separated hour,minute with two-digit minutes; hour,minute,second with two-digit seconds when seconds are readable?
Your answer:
2,47,43
